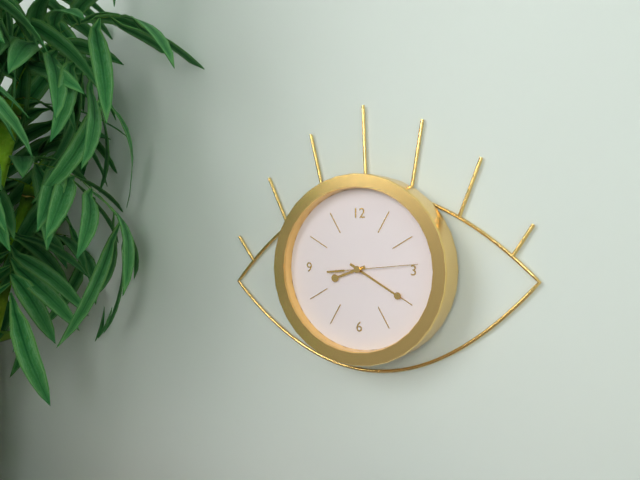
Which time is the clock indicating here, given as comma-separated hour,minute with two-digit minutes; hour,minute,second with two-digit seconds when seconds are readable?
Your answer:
8,20,14
